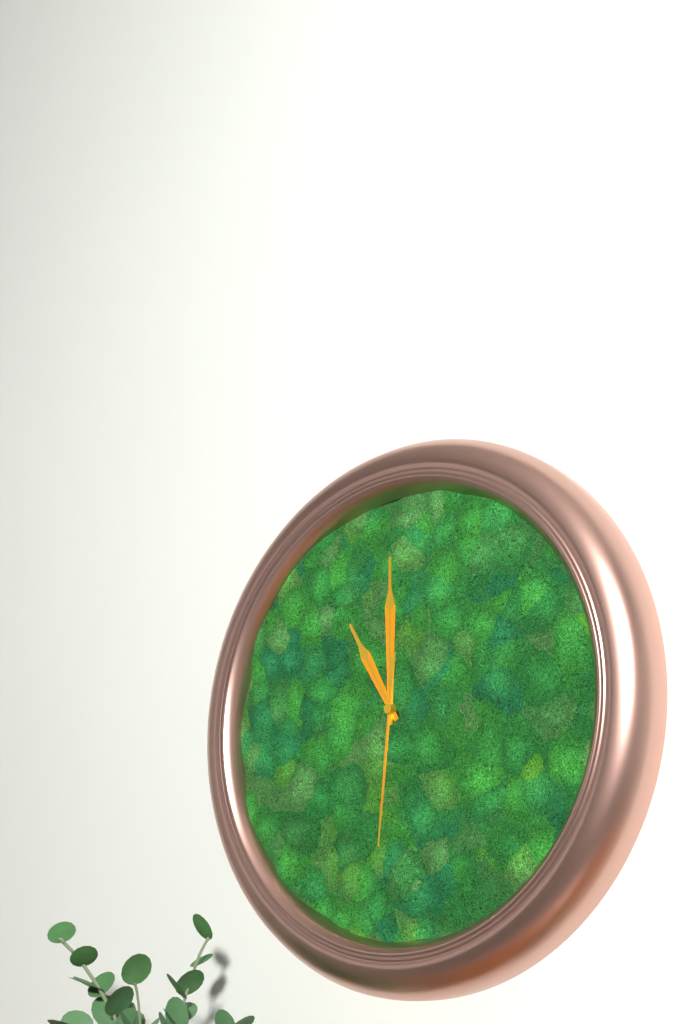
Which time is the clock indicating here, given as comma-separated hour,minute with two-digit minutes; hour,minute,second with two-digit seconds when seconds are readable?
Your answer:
11,00,31
